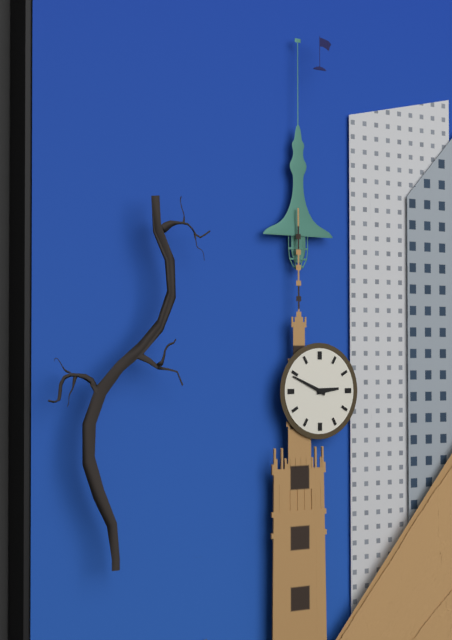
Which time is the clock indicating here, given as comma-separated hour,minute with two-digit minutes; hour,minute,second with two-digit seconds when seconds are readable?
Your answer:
2,49
